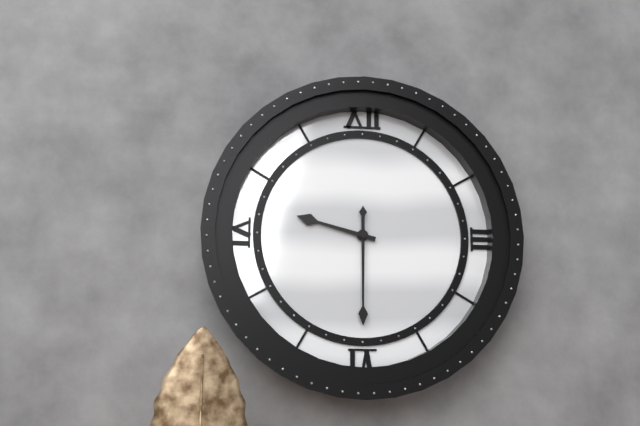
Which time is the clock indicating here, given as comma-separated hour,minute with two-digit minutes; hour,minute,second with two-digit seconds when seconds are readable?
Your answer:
9,30
